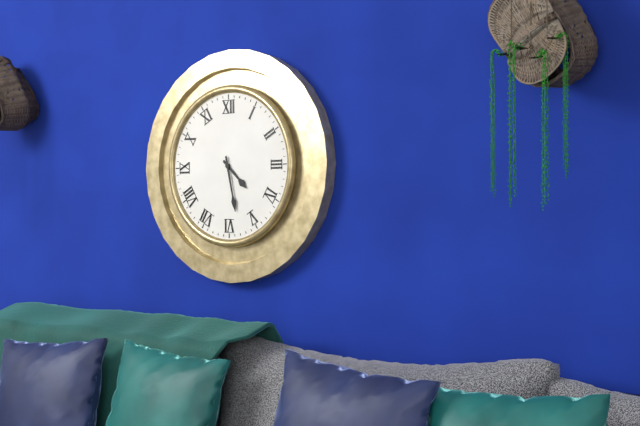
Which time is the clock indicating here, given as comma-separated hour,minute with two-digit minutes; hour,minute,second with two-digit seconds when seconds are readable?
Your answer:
4,28
